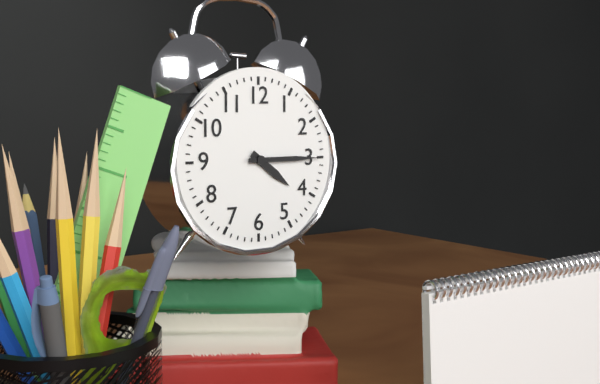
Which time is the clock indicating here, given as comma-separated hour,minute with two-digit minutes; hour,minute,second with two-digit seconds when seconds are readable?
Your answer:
4,15
